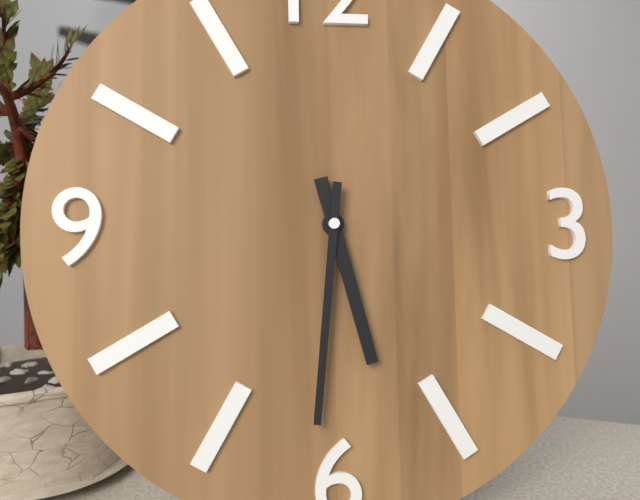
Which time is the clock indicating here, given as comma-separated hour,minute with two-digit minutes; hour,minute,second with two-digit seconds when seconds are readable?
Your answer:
5,31
